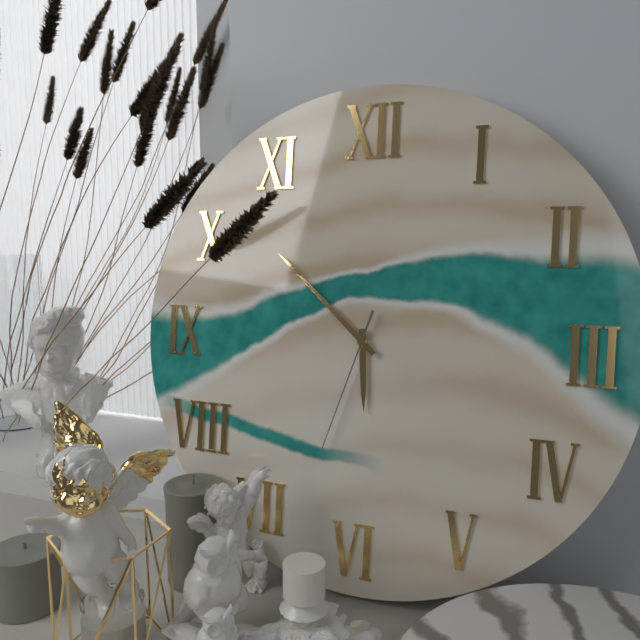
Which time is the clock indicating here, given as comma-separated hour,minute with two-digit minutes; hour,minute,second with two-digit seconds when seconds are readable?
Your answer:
5,52,33
